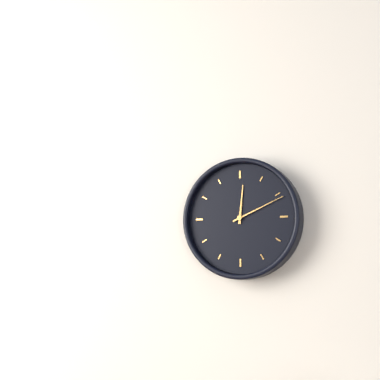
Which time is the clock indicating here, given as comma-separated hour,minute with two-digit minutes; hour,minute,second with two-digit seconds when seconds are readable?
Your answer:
12,11
